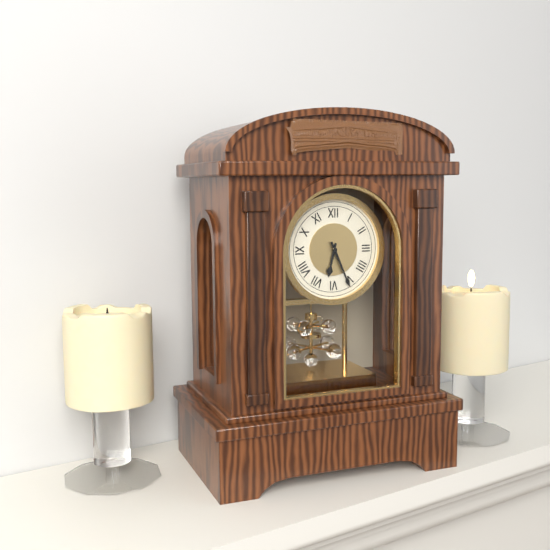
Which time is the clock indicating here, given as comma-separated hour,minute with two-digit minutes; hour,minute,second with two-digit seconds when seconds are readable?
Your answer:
6,26
